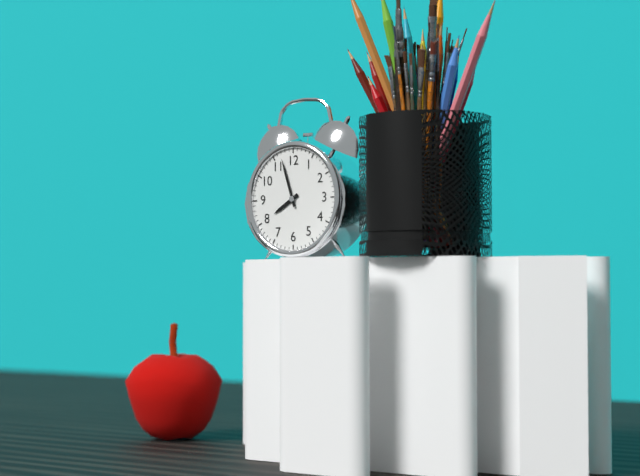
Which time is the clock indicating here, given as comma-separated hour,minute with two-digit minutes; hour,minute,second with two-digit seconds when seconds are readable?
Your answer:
7,57
